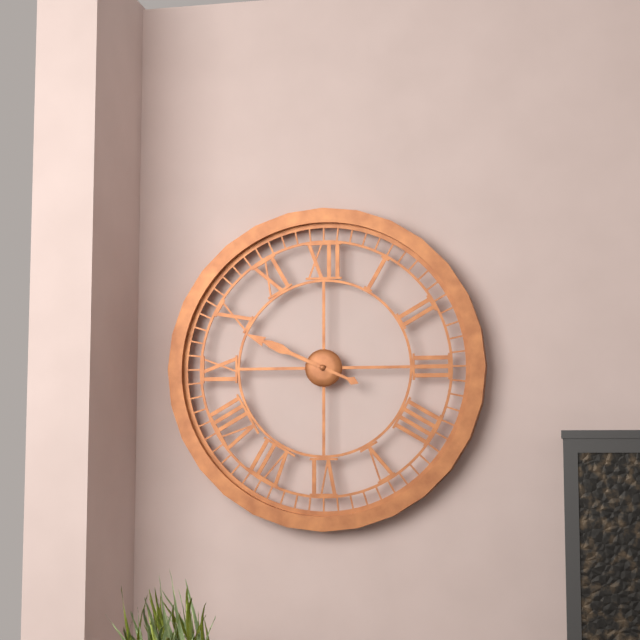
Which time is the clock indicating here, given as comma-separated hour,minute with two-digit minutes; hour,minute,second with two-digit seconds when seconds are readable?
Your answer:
9,49
